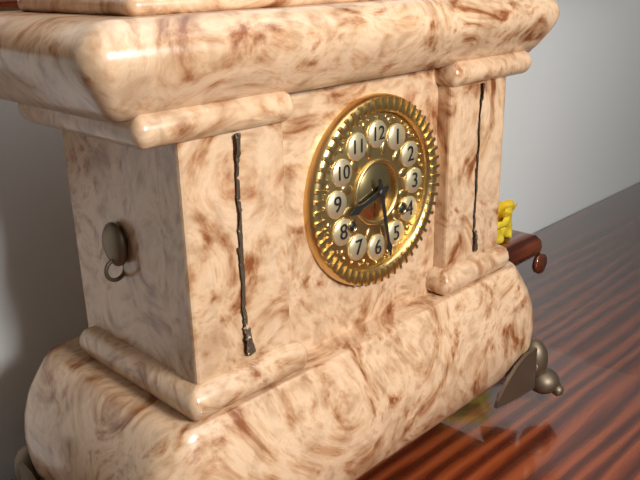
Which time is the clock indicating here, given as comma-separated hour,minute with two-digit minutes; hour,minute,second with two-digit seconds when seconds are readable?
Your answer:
8,28
